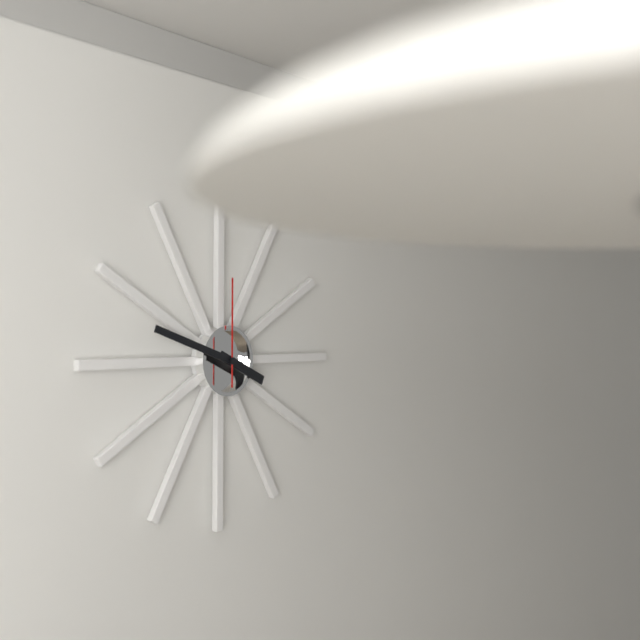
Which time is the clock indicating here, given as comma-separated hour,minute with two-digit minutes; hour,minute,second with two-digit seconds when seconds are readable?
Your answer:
3,48,00
